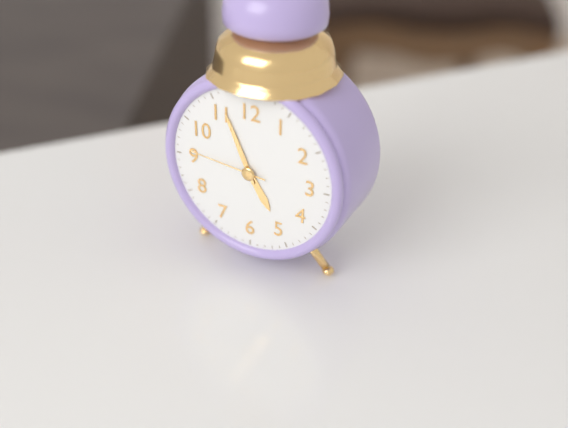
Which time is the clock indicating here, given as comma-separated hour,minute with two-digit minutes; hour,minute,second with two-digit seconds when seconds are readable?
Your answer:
4,56,46
